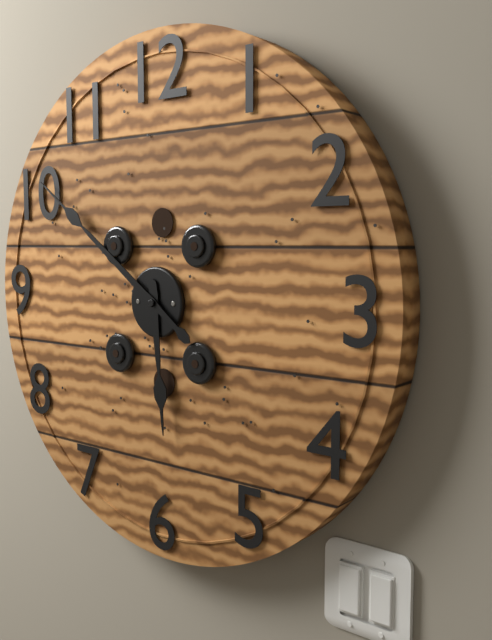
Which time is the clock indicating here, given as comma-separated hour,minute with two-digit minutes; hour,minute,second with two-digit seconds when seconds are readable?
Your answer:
5,51
